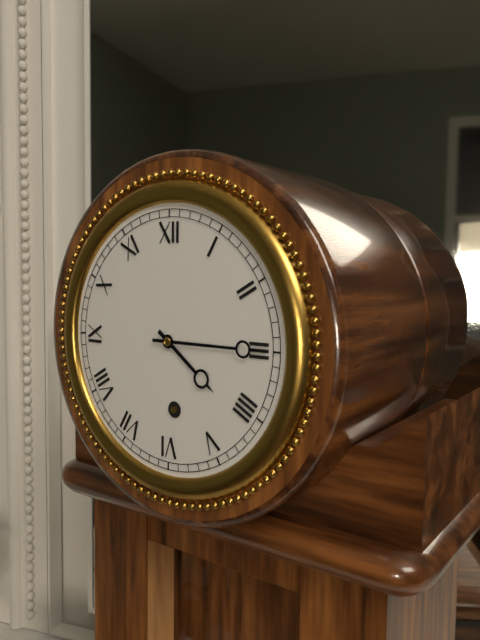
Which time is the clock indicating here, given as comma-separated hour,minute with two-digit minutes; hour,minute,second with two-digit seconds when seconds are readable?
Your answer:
4,15
